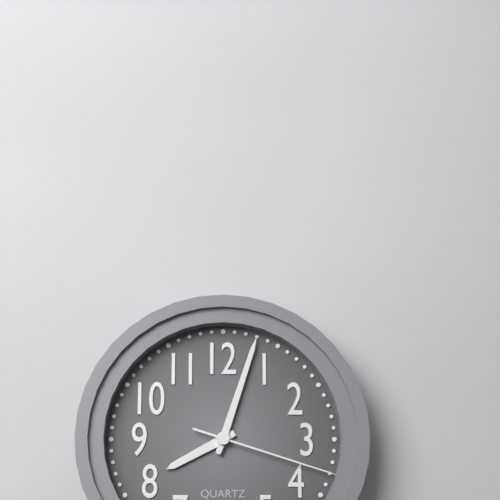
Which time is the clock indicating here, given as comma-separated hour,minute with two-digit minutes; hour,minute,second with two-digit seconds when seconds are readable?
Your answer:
8,03,18
